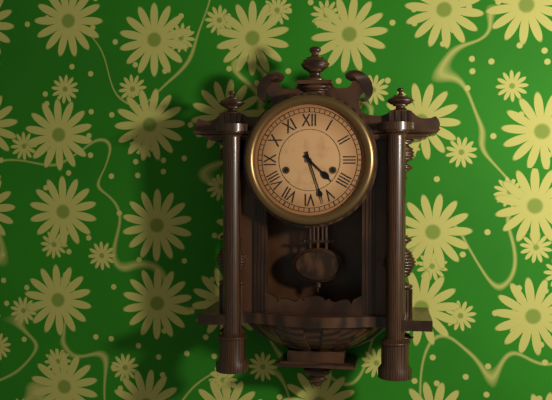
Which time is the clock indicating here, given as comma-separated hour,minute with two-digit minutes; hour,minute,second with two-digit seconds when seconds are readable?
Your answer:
4,27
